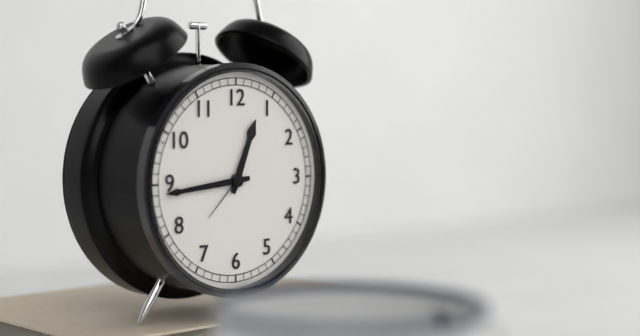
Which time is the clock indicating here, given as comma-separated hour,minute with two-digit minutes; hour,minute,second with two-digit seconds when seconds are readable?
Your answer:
12,44
